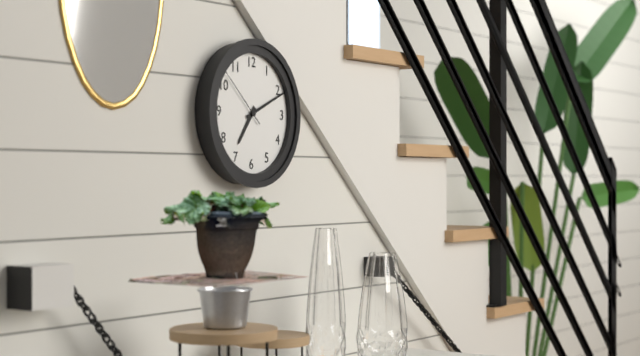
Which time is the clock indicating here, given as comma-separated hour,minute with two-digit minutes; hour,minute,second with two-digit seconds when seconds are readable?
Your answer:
7,11,52
